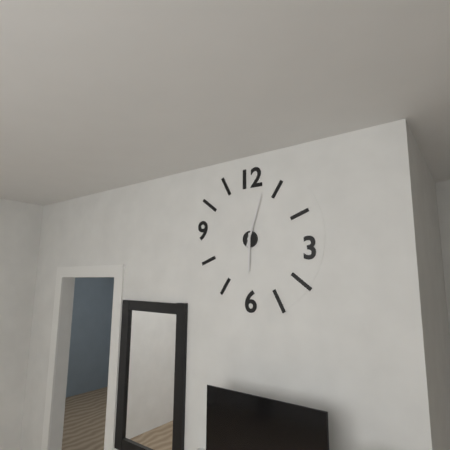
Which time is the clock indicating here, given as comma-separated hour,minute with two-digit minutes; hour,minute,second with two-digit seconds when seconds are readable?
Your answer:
6,03
